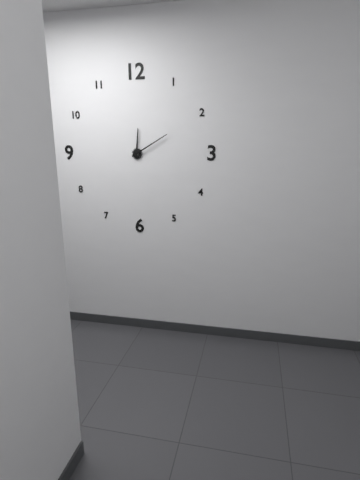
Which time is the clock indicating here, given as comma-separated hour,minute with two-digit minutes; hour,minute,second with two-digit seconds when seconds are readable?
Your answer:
12,10
